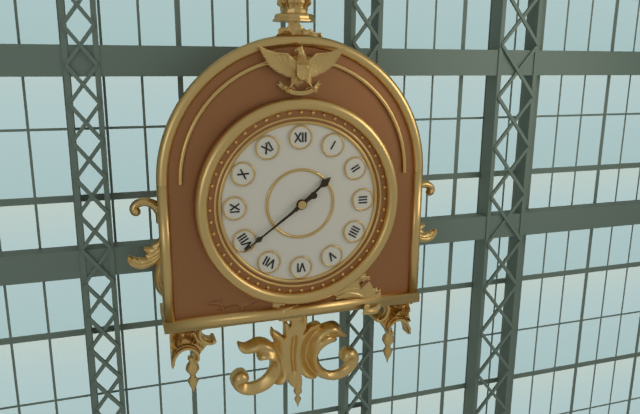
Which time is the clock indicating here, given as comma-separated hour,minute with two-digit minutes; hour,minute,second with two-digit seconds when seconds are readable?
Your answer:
1,39
